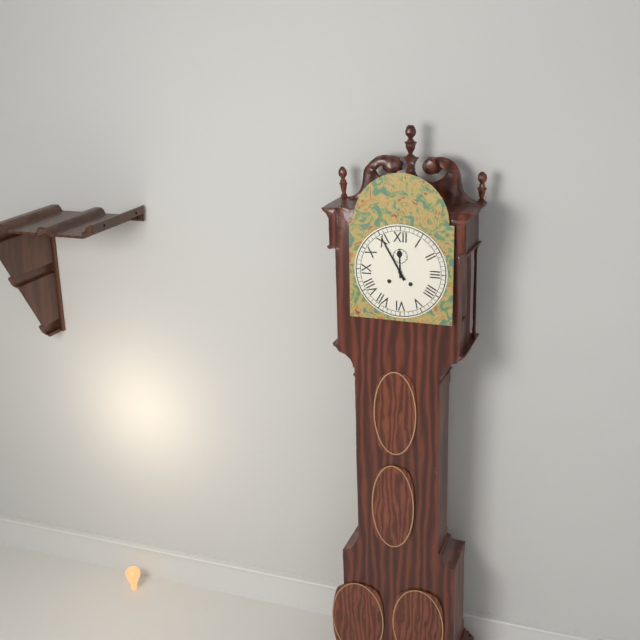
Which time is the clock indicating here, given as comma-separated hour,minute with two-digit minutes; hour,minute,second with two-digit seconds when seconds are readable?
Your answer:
11,55
